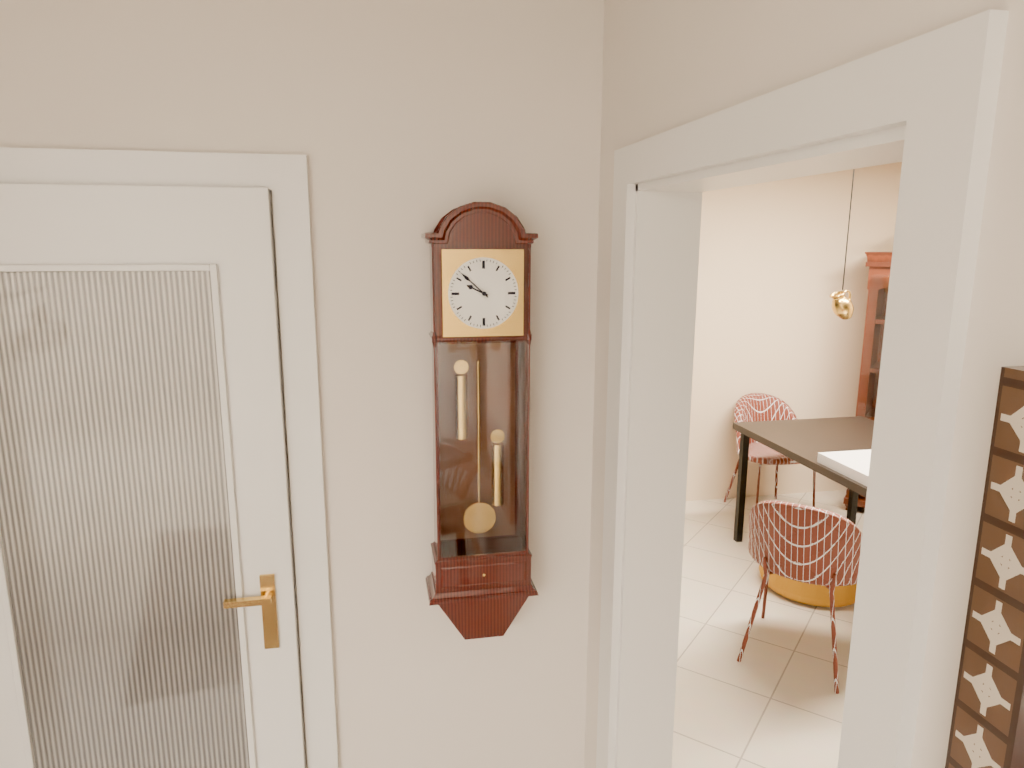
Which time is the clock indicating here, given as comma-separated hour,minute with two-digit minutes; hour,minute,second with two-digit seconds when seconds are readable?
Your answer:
9,52
